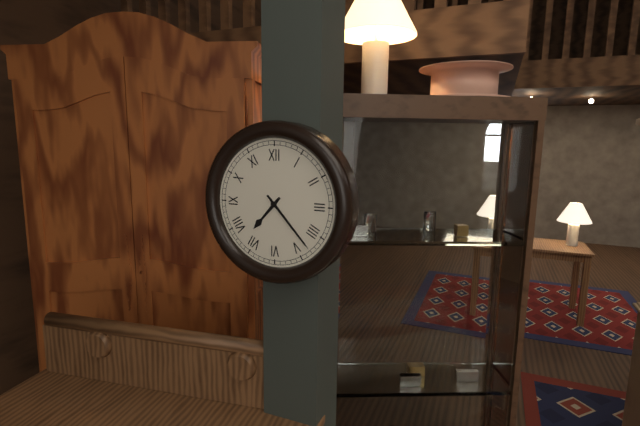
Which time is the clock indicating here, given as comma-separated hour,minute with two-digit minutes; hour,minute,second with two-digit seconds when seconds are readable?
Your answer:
7,23
